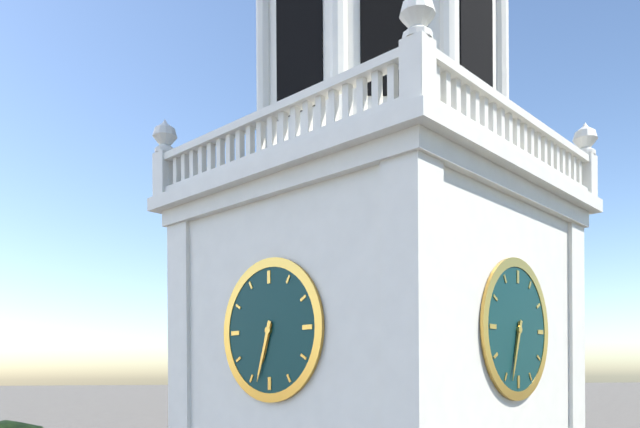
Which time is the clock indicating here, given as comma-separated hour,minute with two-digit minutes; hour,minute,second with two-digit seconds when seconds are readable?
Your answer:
6,33
